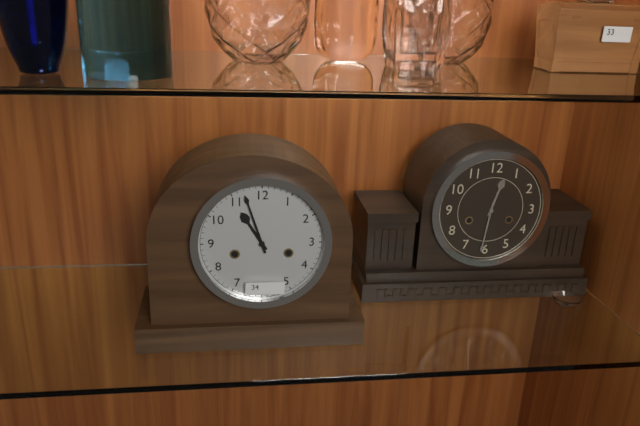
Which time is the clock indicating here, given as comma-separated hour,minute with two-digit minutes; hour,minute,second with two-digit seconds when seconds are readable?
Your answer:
10,57
